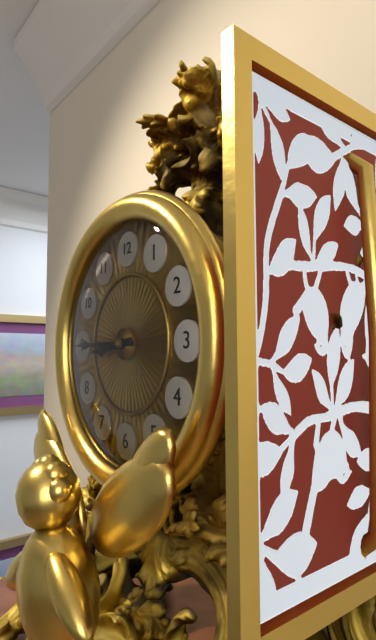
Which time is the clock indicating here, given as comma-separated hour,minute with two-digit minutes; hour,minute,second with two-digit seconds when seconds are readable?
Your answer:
8,45
